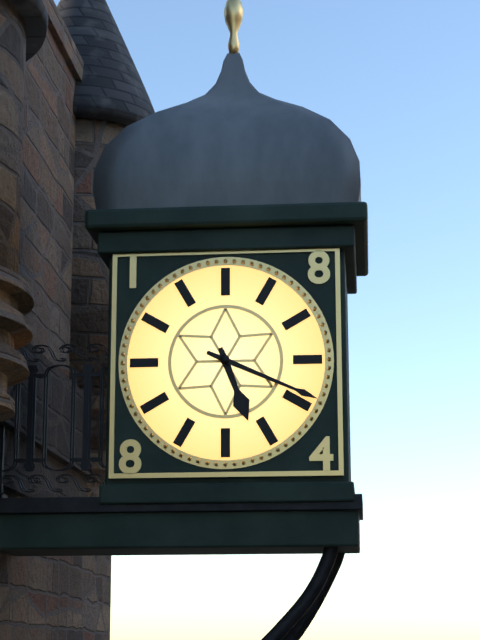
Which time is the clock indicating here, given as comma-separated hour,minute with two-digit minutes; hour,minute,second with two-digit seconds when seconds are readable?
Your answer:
5,19
